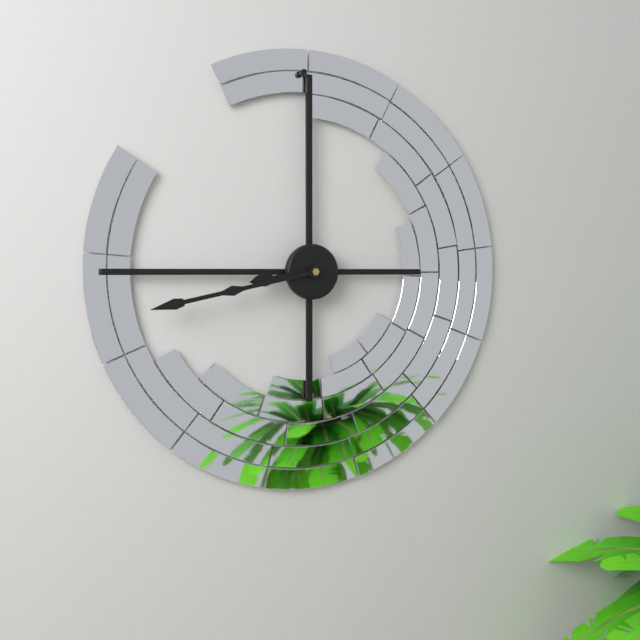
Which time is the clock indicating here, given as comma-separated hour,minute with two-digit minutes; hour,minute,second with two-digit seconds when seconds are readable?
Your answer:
8,43
